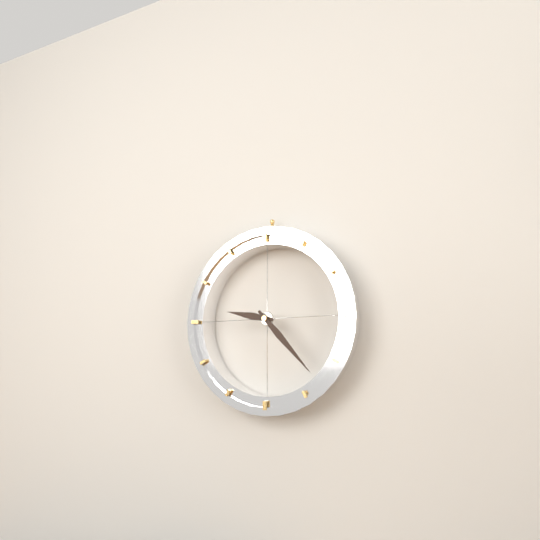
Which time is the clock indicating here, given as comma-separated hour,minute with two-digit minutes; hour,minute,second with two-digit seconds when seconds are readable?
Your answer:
9,23
